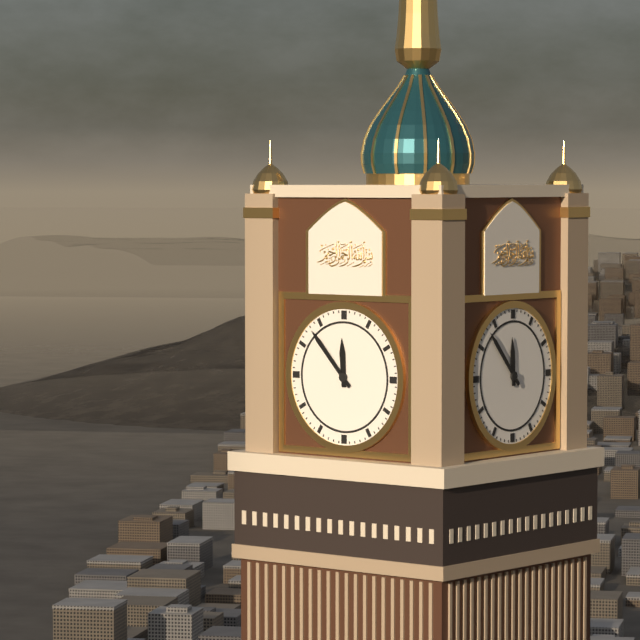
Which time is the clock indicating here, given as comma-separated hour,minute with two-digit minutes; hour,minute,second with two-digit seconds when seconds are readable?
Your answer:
11,53
